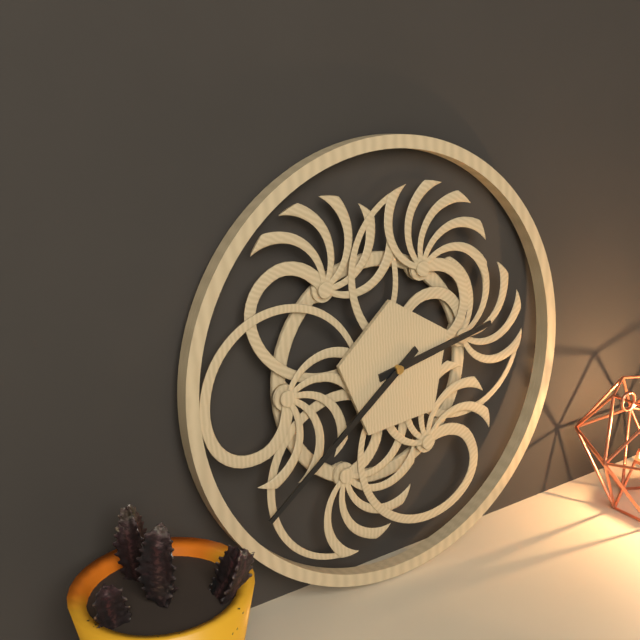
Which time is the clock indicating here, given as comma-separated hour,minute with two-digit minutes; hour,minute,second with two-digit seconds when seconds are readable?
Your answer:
2,39
